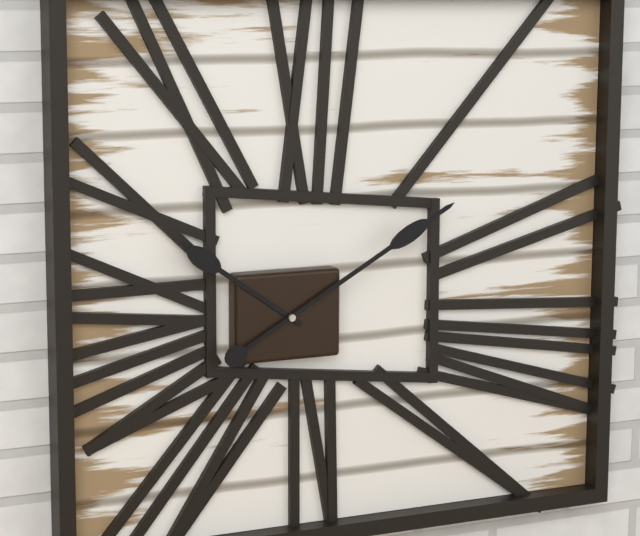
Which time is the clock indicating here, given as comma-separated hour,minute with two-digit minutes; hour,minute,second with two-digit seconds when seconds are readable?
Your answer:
10,10
